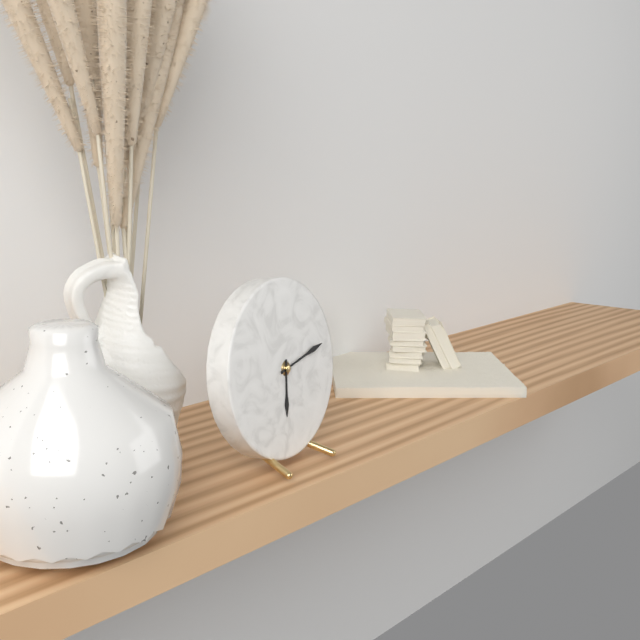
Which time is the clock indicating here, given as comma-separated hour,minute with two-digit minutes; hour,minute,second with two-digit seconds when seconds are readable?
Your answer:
6,13
